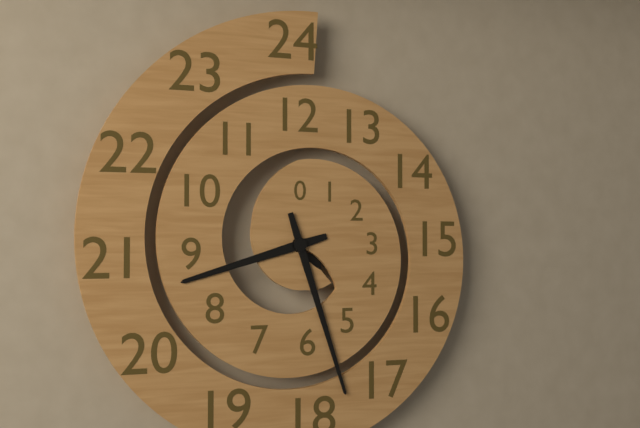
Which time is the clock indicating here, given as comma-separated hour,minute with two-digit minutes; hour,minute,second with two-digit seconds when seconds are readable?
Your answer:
8,27
